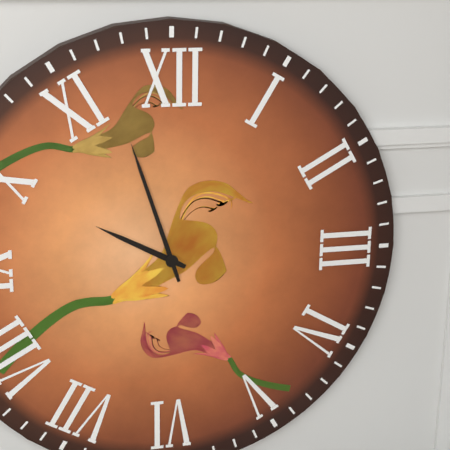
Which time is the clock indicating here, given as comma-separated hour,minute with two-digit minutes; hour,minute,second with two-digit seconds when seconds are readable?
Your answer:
9,57
